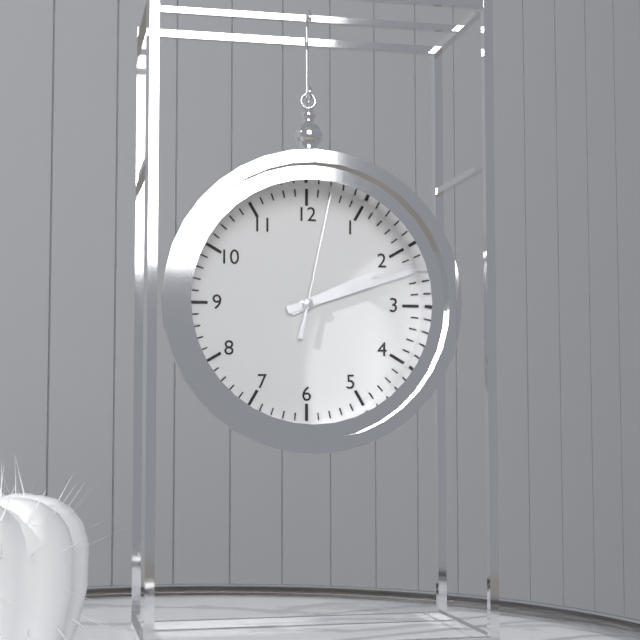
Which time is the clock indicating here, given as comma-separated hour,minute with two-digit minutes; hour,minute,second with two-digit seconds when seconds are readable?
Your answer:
2,12,02
